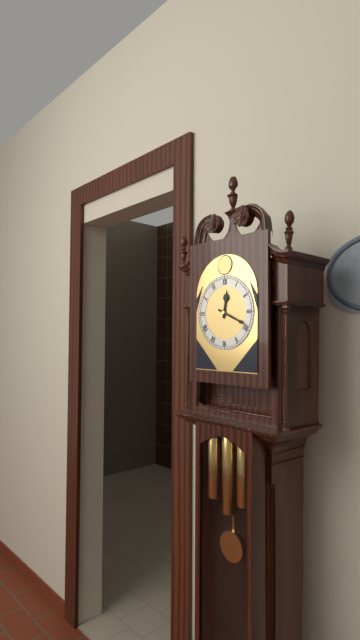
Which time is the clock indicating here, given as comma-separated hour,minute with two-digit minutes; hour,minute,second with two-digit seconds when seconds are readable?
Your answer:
12,19
